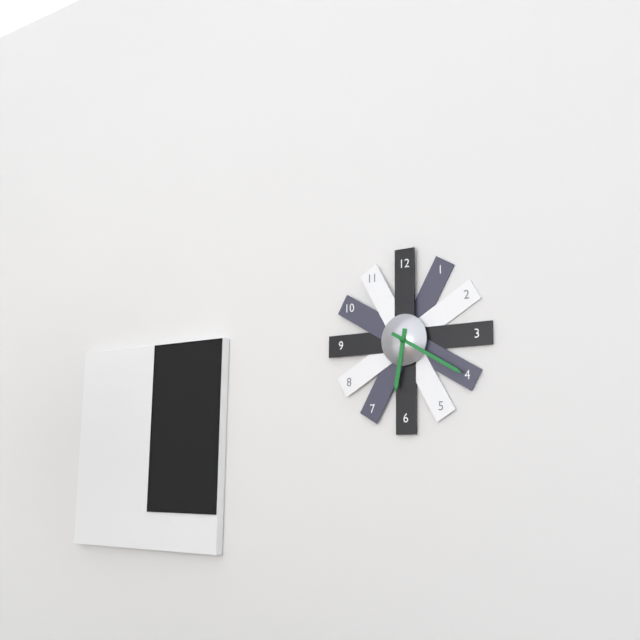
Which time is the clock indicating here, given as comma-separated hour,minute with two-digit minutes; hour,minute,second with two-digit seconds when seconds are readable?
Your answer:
6,20
